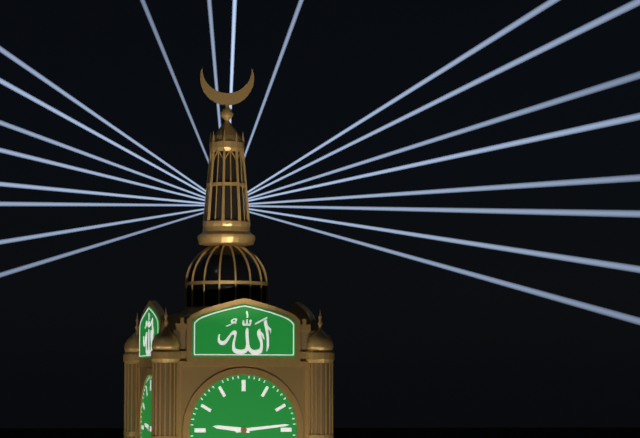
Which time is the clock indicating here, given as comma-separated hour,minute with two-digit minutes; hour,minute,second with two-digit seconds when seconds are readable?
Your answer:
9,14
